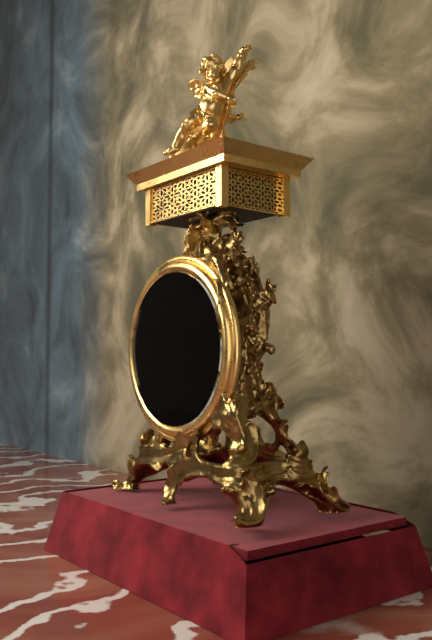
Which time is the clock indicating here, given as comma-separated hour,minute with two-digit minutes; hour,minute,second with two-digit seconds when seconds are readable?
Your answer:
7,07
